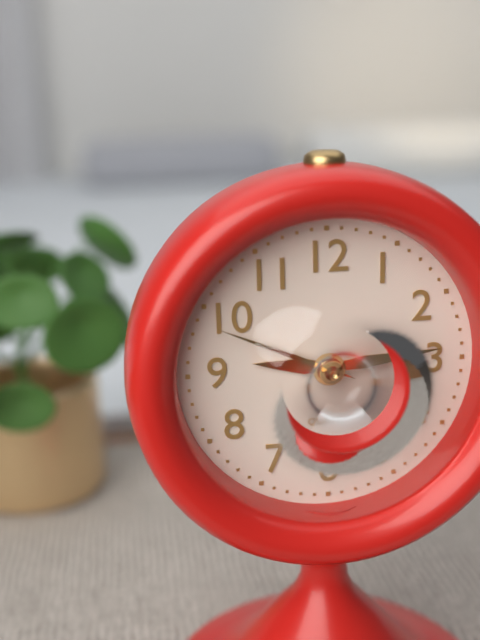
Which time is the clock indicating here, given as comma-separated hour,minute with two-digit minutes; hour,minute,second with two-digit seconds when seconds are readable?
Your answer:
9,14,49
